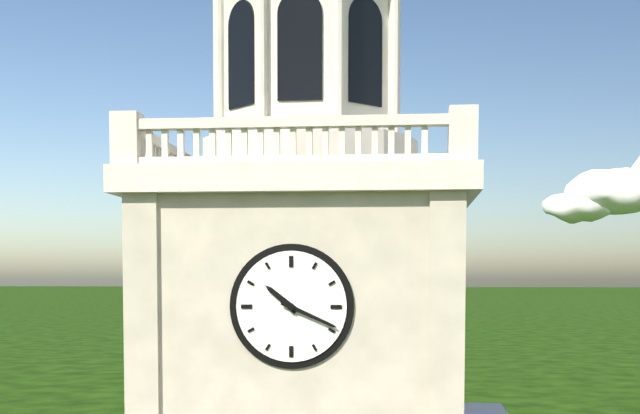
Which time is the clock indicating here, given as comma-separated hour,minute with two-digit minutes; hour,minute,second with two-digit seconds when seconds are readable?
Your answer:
10,19
